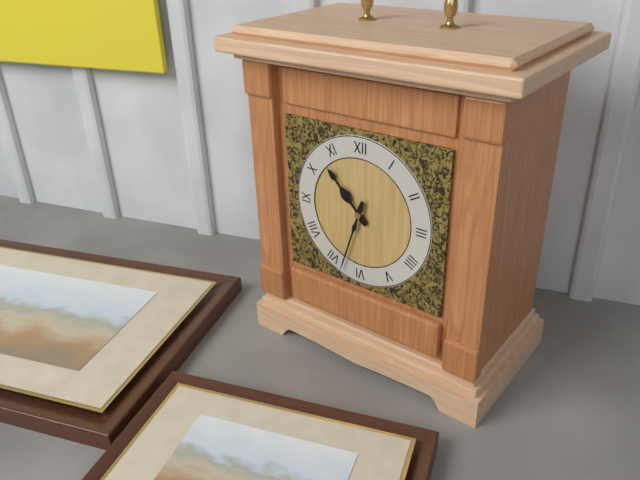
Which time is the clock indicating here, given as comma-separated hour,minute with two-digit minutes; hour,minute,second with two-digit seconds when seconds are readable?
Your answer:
10,33
